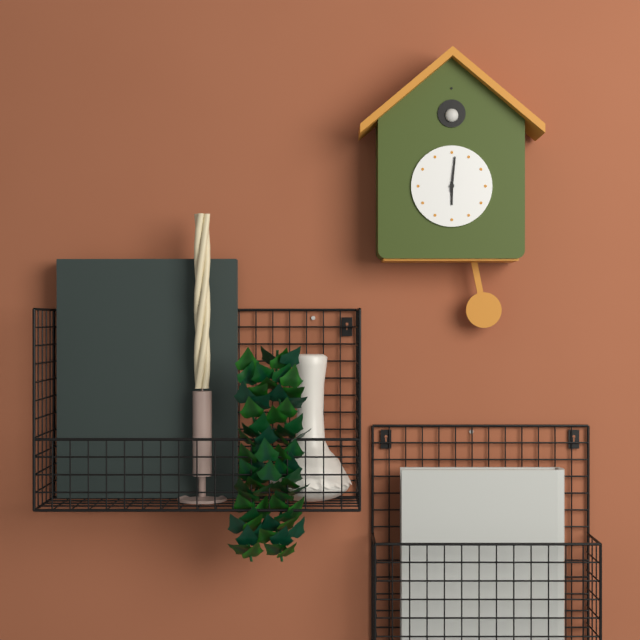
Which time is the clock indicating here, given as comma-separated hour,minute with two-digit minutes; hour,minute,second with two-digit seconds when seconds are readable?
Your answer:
6,01
